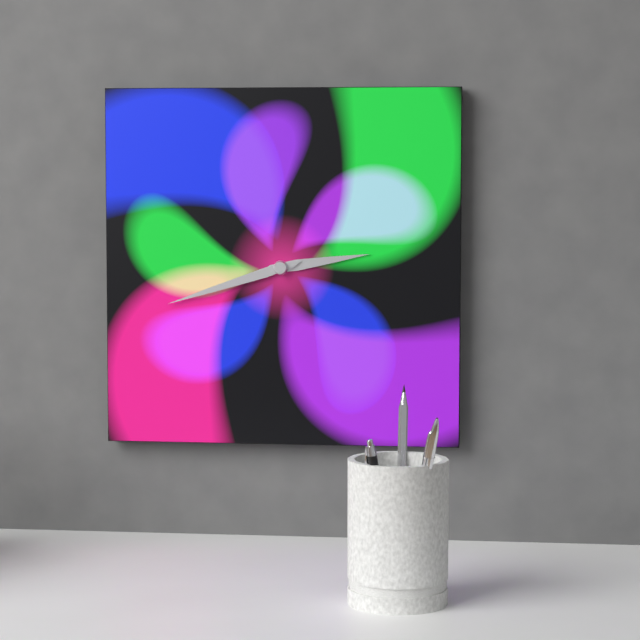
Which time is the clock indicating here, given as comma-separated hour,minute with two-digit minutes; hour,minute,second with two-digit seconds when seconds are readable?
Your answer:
2,42
